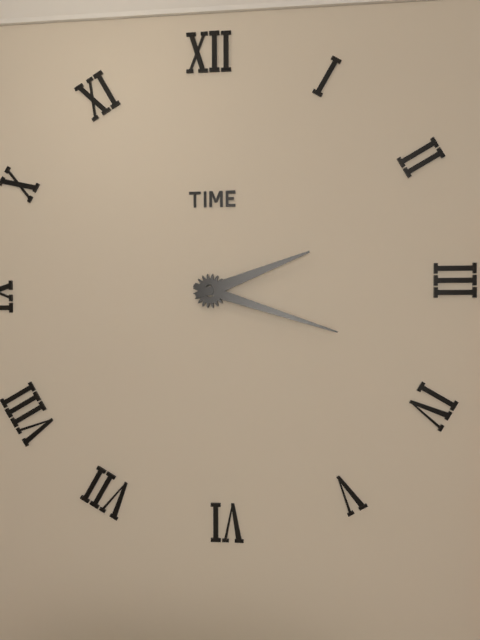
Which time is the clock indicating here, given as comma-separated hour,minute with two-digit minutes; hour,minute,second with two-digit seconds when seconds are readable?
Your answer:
2,18
